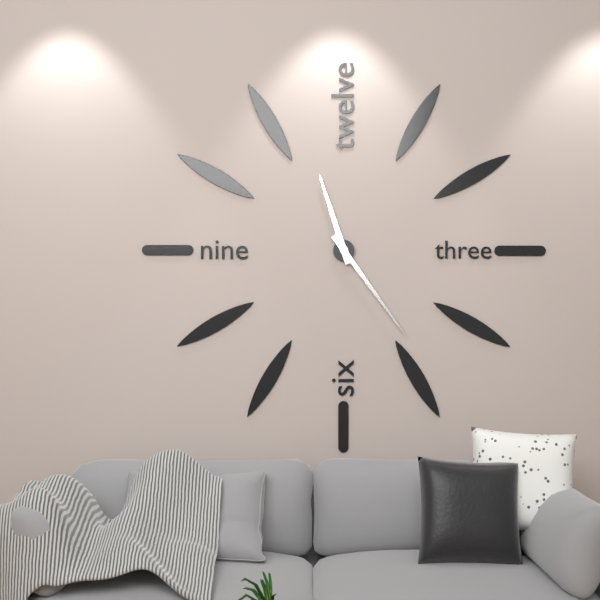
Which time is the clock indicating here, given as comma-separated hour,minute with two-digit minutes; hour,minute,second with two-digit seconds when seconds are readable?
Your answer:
11,24
